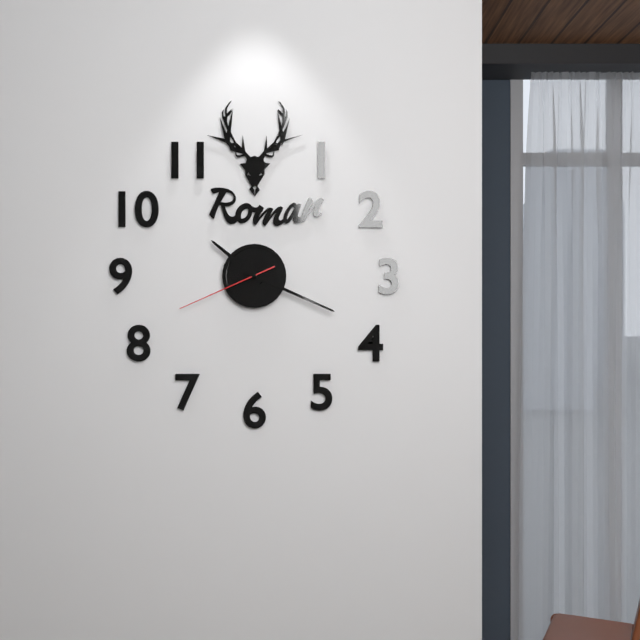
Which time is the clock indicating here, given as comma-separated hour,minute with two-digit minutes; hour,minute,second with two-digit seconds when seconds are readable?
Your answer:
10,19,41
